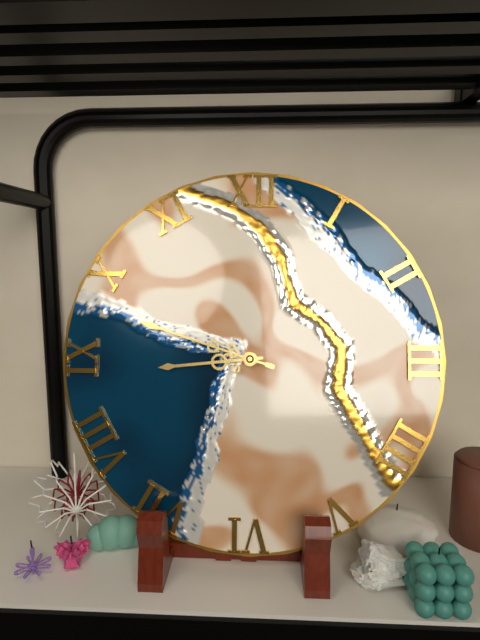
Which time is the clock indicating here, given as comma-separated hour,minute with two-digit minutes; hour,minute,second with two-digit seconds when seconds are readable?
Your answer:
8,48
